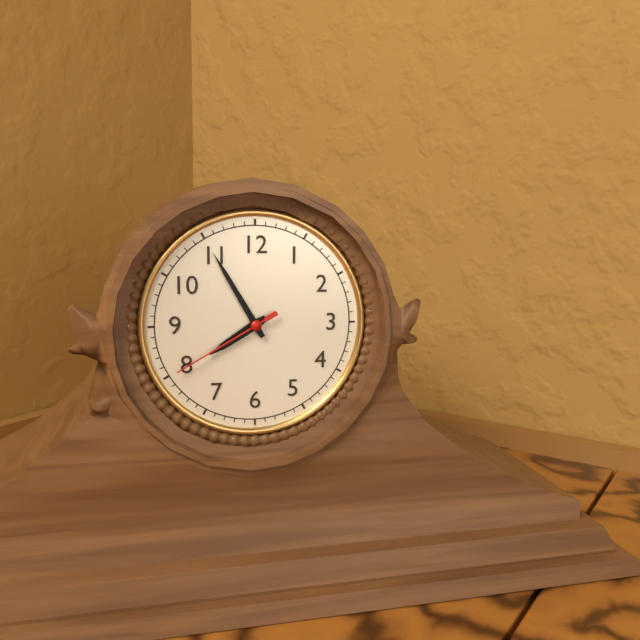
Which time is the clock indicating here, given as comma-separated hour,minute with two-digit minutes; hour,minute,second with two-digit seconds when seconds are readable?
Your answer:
7,55,40
